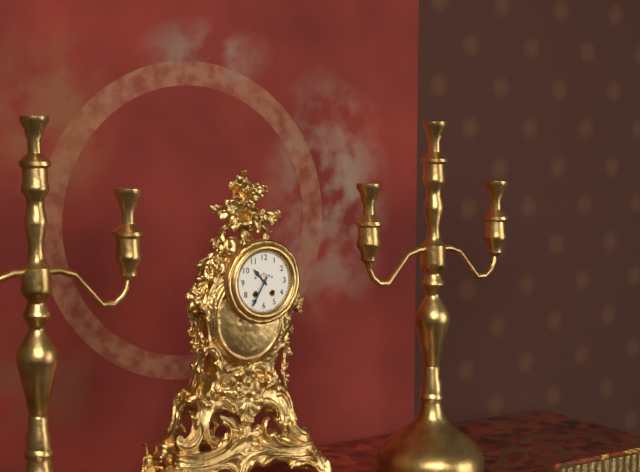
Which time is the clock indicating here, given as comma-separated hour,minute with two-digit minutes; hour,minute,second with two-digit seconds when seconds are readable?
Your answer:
10,35
